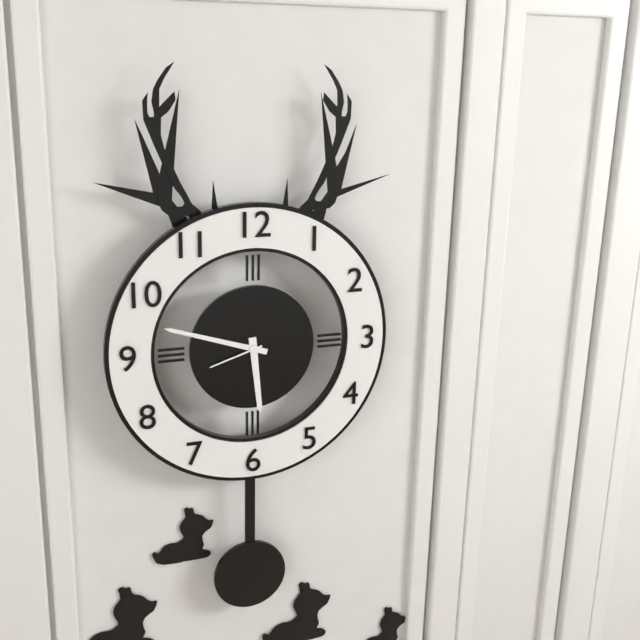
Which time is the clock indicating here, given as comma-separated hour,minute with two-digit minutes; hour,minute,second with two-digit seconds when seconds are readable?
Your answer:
5,48,42
